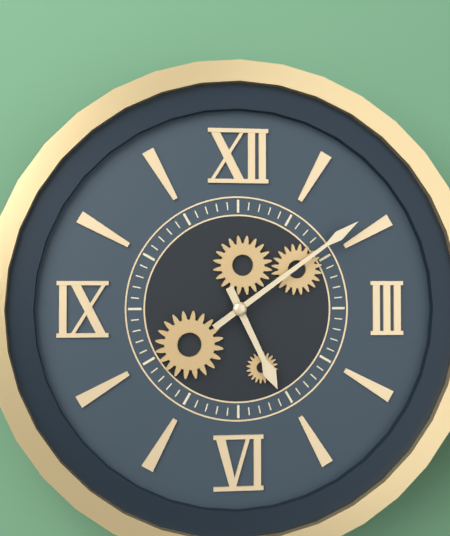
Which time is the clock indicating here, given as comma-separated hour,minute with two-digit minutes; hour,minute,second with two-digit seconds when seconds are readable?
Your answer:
5,09
